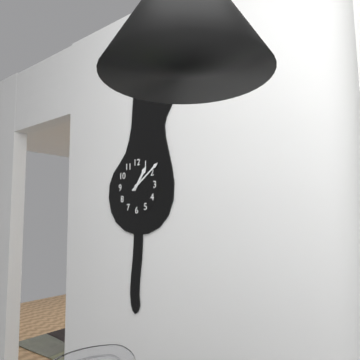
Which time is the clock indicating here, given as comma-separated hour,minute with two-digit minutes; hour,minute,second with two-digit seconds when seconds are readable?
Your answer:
1,09
